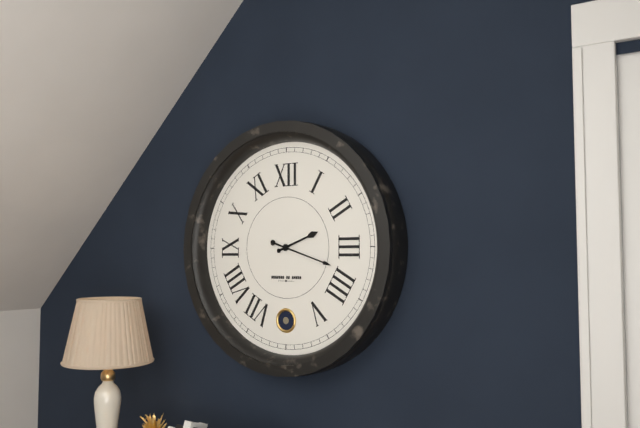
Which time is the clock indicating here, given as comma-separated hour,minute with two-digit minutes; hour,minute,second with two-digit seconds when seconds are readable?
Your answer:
2,18
